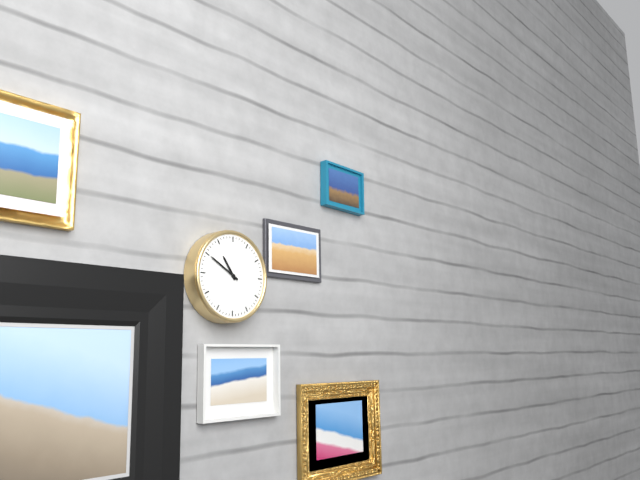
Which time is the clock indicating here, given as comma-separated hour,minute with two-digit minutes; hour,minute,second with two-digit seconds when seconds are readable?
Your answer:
10,50
